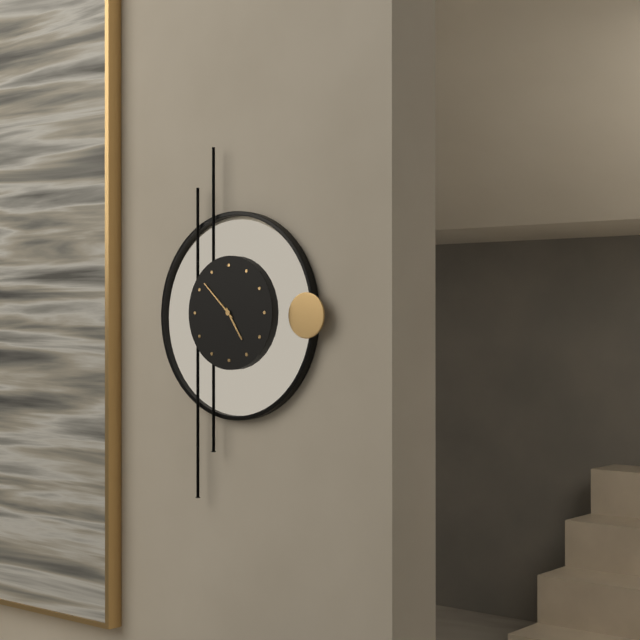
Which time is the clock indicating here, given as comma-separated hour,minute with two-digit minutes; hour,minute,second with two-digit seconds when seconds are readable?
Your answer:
4,52
